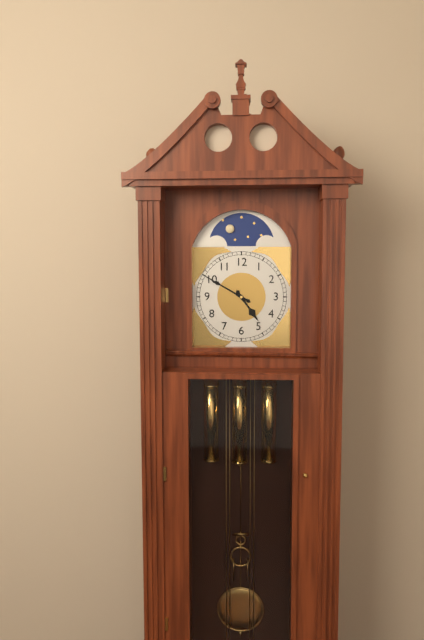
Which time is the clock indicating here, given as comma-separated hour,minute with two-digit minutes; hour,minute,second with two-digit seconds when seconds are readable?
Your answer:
4,50
